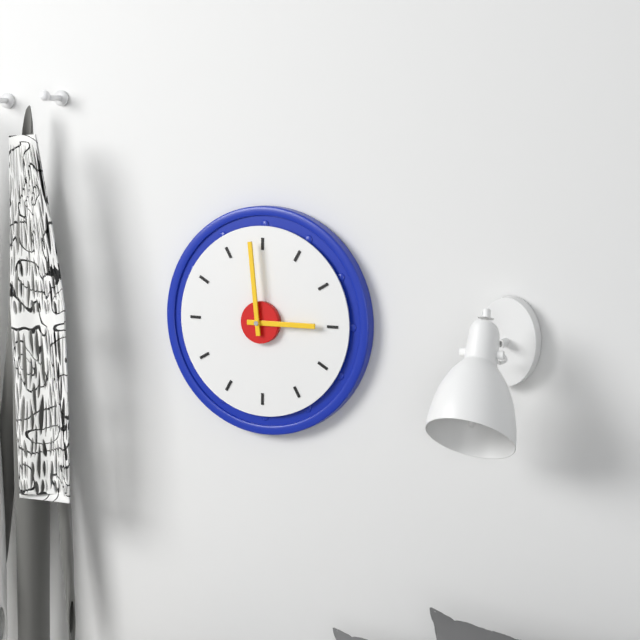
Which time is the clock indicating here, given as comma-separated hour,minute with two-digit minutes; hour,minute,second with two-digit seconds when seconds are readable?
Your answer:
2,59
